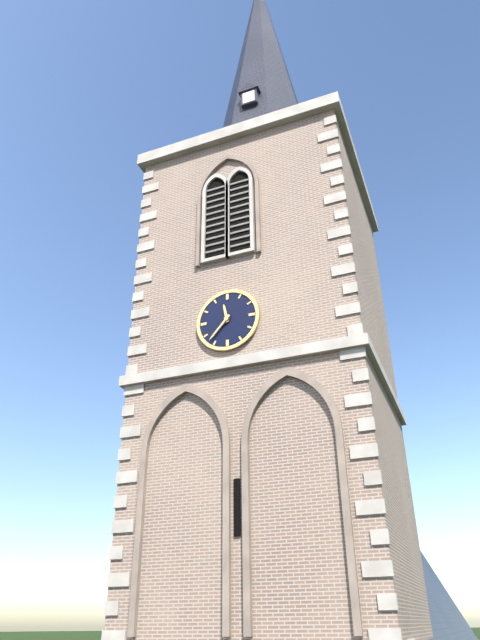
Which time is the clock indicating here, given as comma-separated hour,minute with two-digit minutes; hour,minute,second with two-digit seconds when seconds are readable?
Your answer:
11,37
